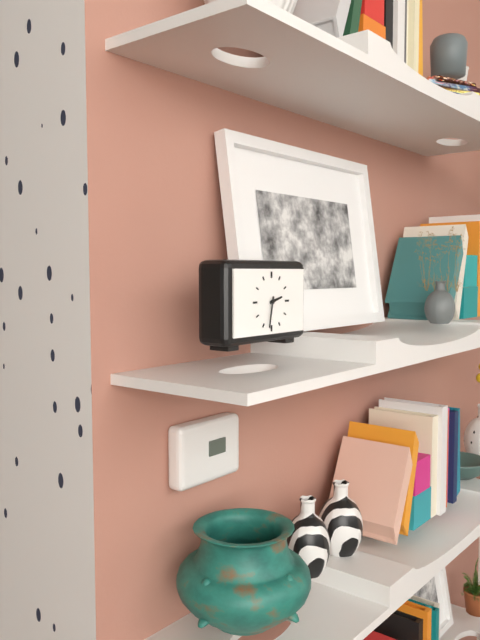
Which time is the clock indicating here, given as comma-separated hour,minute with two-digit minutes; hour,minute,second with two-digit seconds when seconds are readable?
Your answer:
2,32
